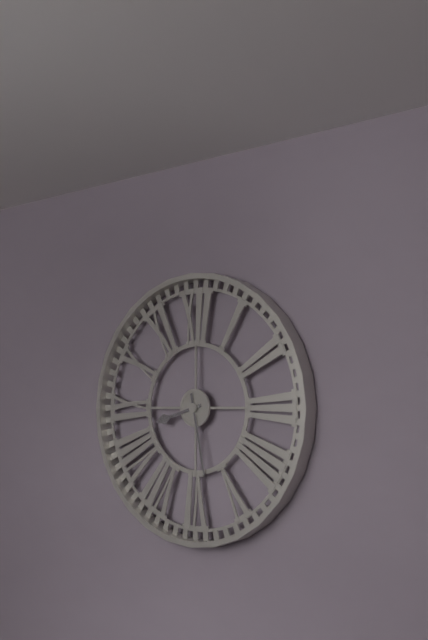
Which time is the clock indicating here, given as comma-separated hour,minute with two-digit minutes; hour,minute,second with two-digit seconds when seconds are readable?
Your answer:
8,28
